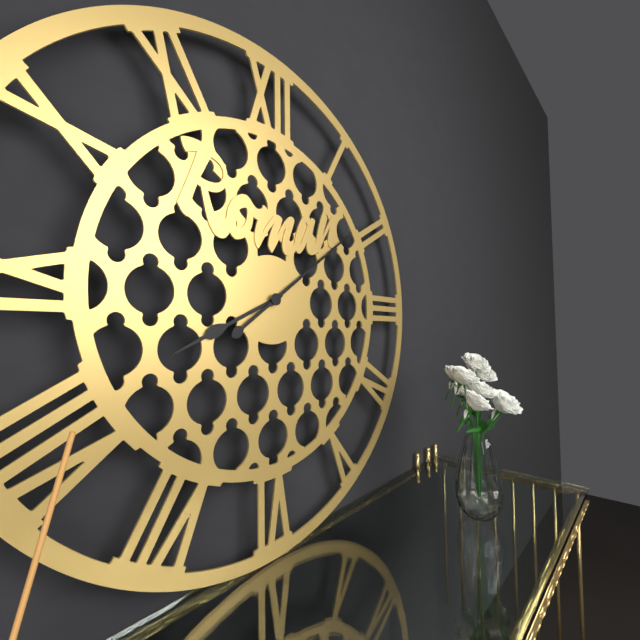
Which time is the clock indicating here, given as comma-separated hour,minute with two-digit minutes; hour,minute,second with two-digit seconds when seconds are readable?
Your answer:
8,09
